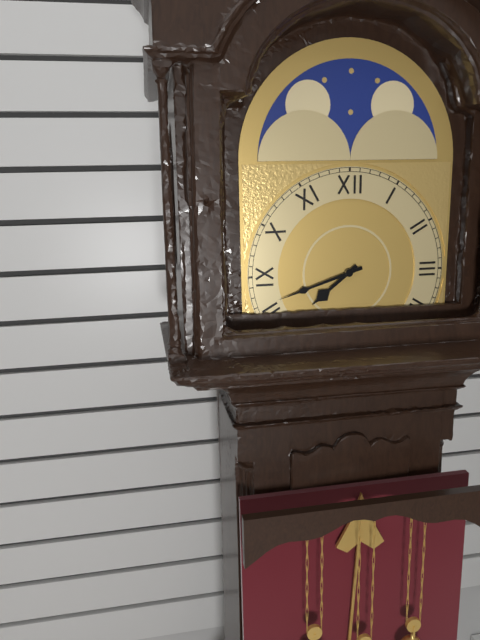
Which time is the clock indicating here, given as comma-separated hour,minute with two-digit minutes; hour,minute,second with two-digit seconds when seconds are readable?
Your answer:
7,42
